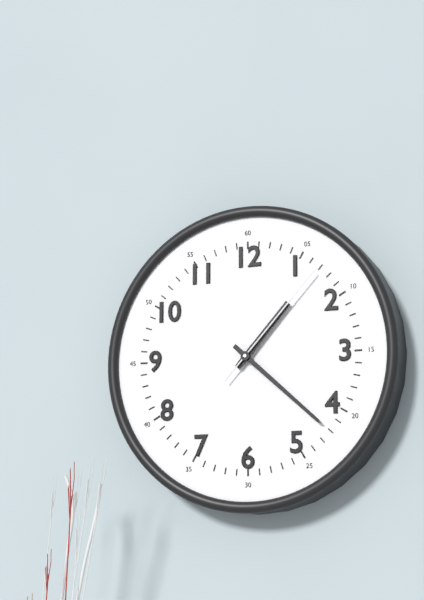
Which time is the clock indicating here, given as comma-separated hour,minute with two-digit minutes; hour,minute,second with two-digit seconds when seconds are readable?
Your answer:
1,22,07
